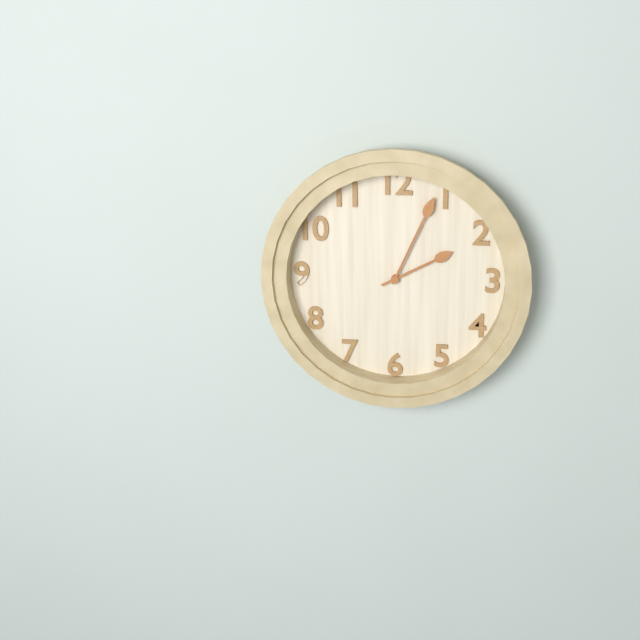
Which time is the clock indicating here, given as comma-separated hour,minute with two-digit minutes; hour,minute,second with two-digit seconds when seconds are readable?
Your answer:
2,04
